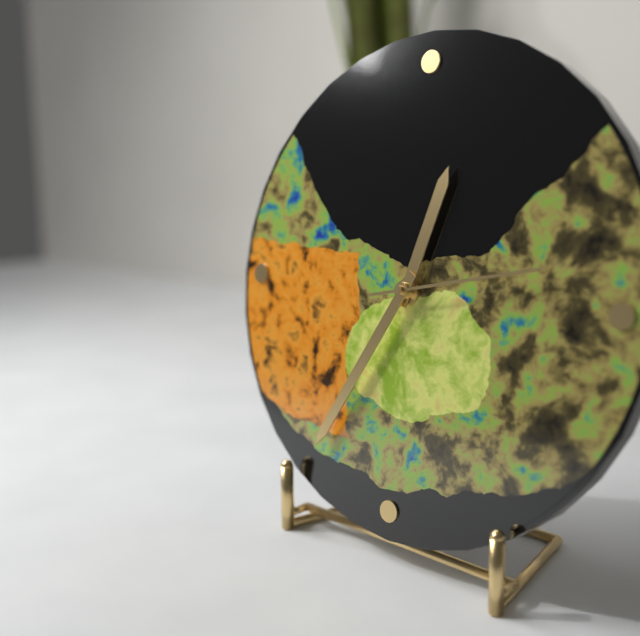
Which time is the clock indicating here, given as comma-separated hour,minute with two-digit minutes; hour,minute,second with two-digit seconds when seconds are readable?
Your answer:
12,35,13
